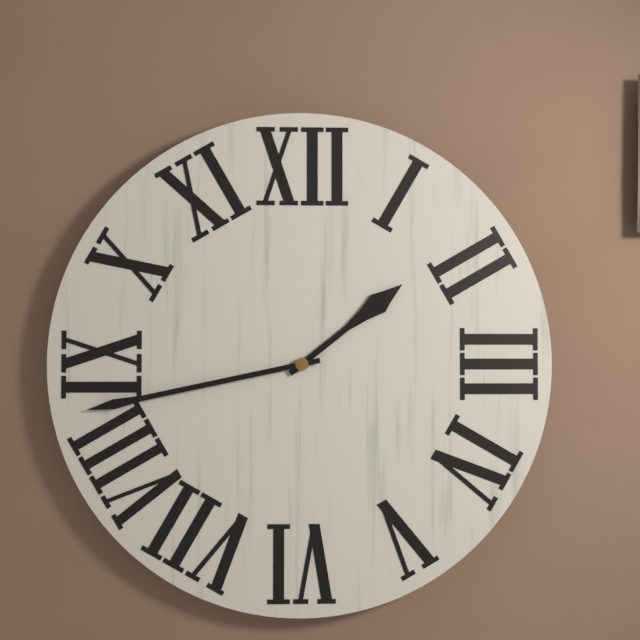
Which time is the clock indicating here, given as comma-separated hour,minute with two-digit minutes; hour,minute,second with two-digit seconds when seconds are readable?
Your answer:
1,43
